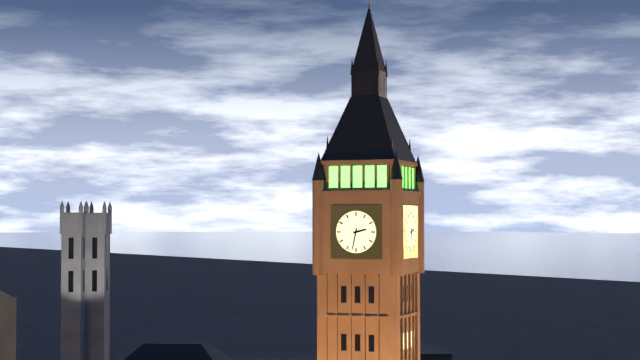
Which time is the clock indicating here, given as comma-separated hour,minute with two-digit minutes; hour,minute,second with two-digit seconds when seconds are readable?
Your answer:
2,32
